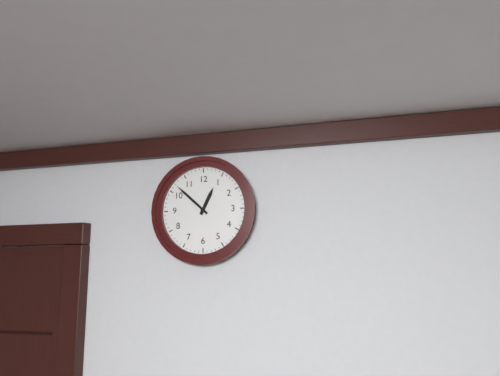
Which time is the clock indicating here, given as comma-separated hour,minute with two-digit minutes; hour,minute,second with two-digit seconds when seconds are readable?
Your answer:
12,52
